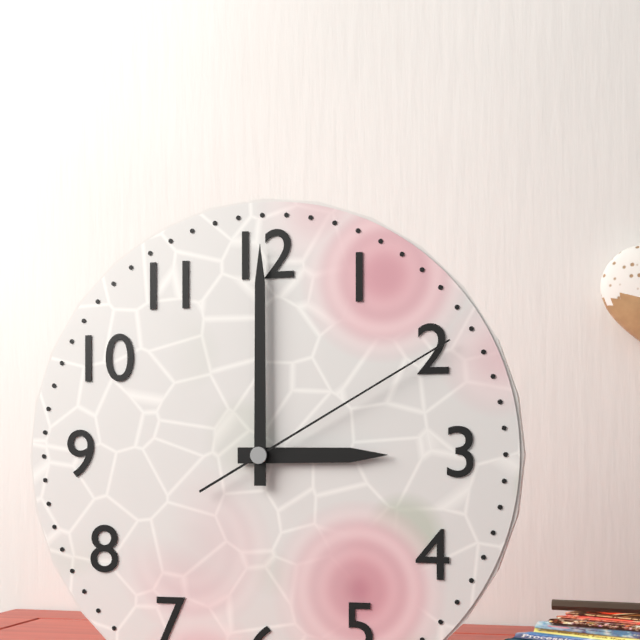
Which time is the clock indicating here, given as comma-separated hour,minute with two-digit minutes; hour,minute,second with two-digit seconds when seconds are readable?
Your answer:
3,00,10
